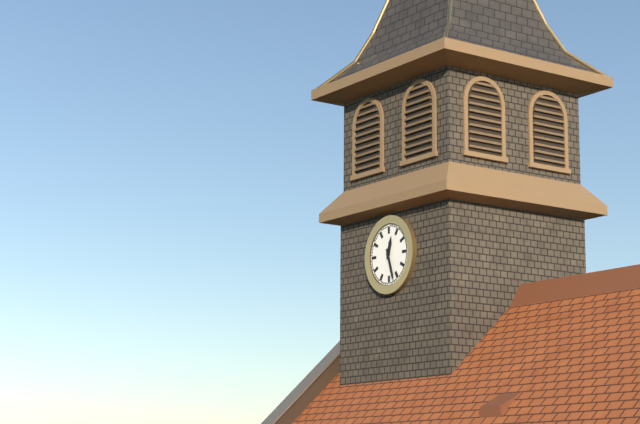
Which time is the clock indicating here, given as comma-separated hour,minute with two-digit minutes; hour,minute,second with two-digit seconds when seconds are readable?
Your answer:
12,27
